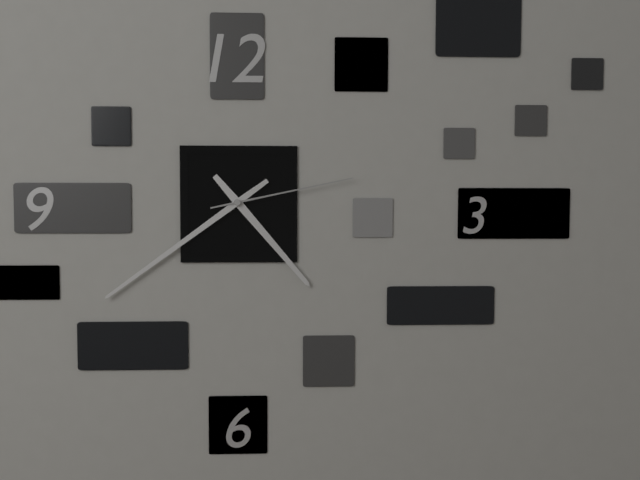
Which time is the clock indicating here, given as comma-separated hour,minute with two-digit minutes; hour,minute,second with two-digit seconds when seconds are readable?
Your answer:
4,39,13
